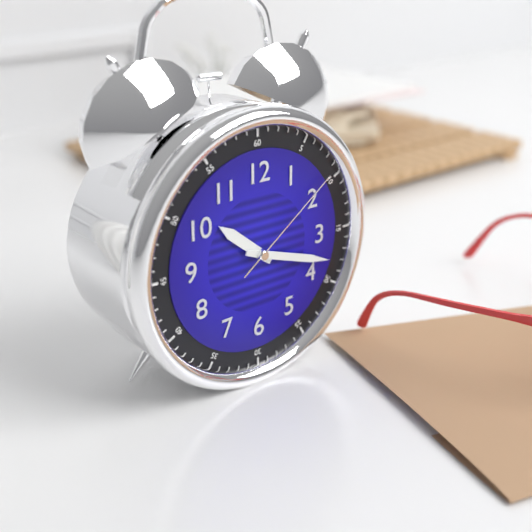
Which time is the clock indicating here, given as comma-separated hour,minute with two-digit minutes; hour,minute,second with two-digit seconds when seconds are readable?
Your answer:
10,18,09
